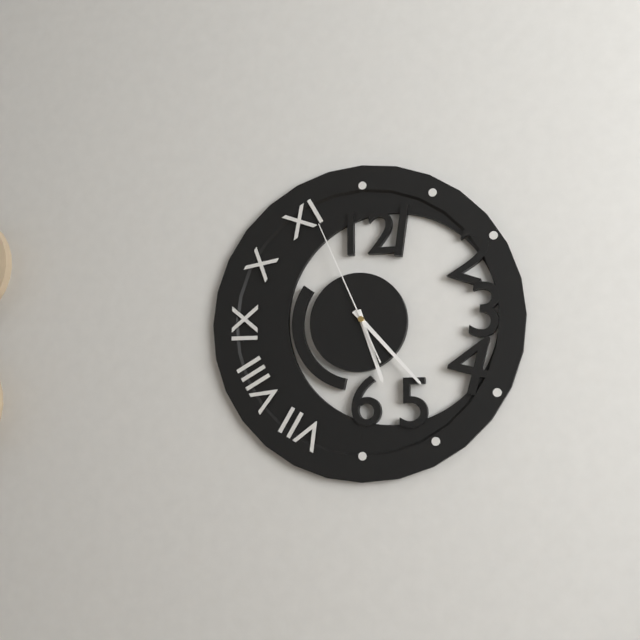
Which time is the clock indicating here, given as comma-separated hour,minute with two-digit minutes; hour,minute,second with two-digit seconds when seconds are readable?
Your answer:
5,23,56
